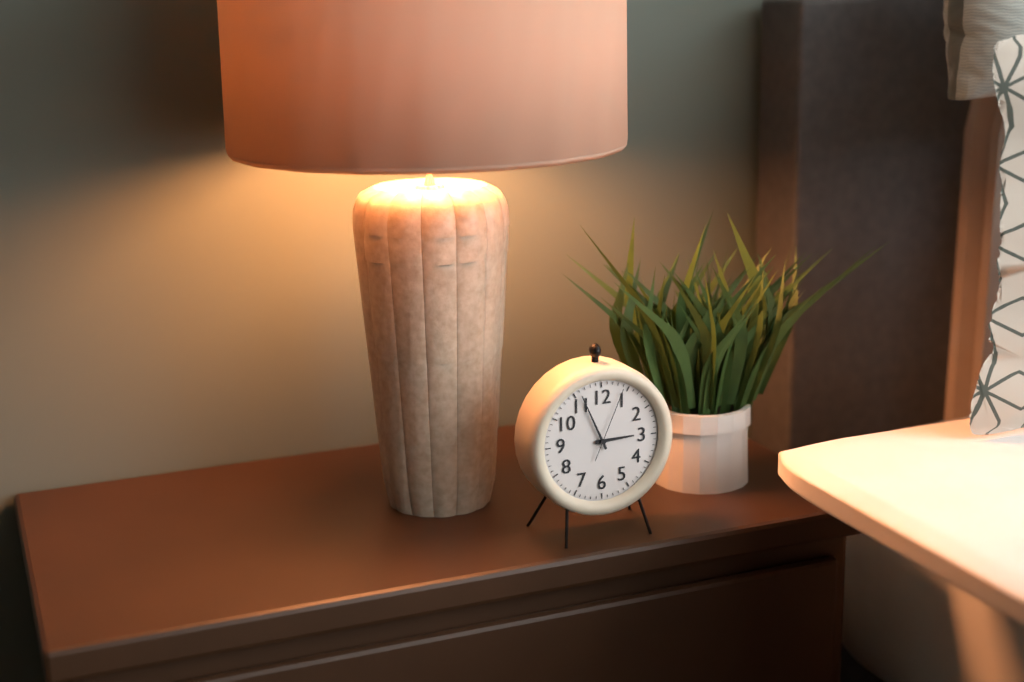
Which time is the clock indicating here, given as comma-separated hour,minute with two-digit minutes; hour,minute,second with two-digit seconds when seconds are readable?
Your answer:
2,56,04
